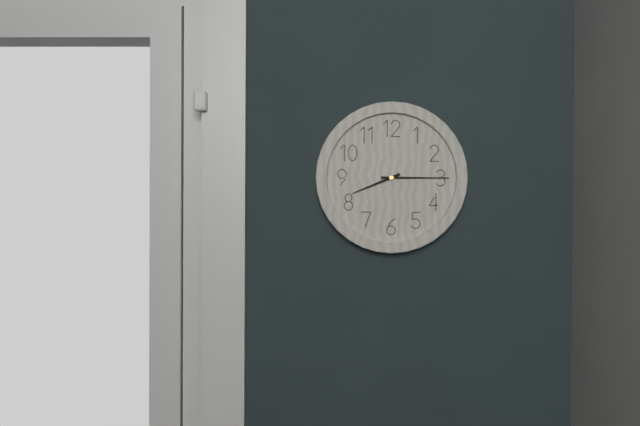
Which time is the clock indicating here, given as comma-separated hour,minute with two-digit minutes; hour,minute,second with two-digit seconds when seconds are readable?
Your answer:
8,15
